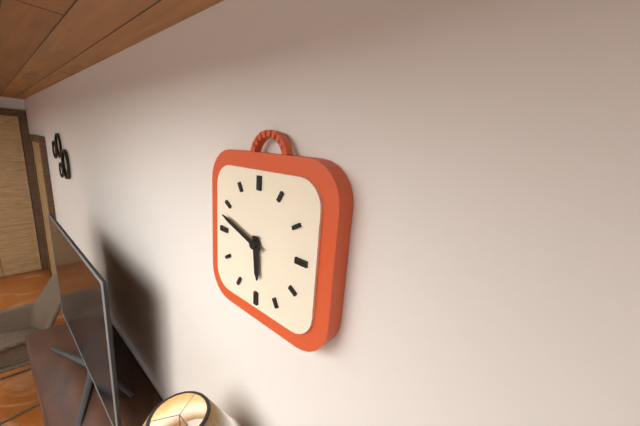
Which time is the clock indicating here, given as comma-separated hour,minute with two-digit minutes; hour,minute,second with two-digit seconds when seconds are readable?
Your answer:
5,48
